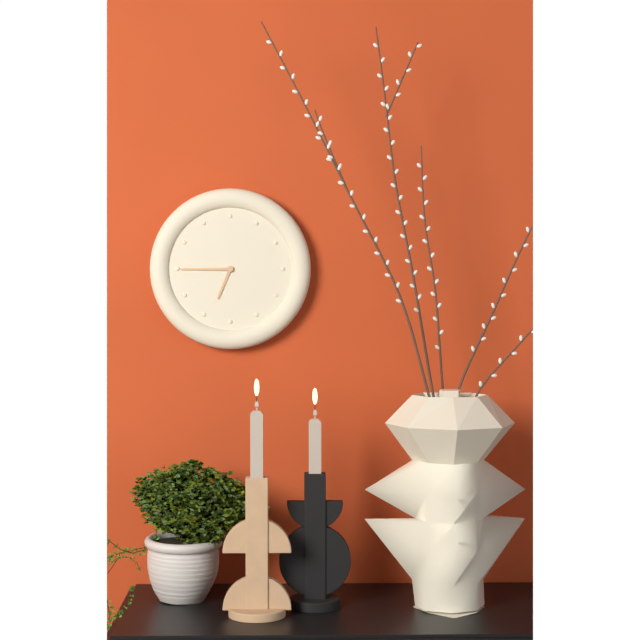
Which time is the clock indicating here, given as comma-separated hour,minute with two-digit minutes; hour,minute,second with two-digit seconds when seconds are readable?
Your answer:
6,45
